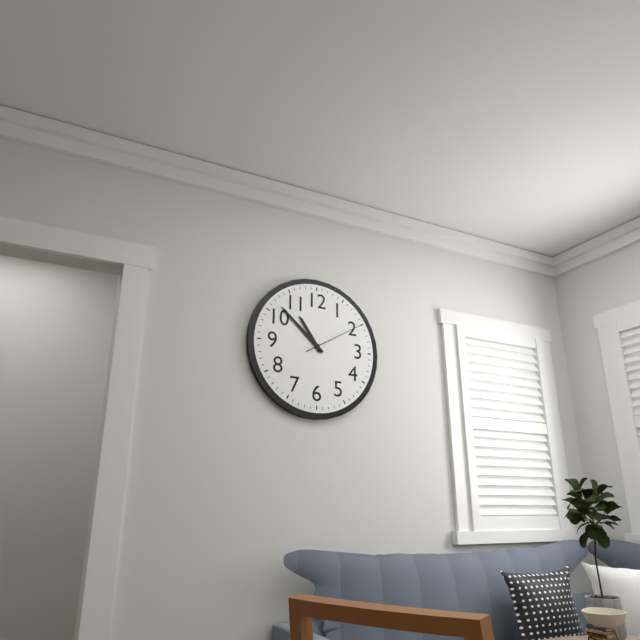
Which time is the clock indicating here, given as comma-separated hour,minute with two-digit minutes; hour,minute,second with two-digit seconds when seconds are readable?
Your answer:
10,52,10
